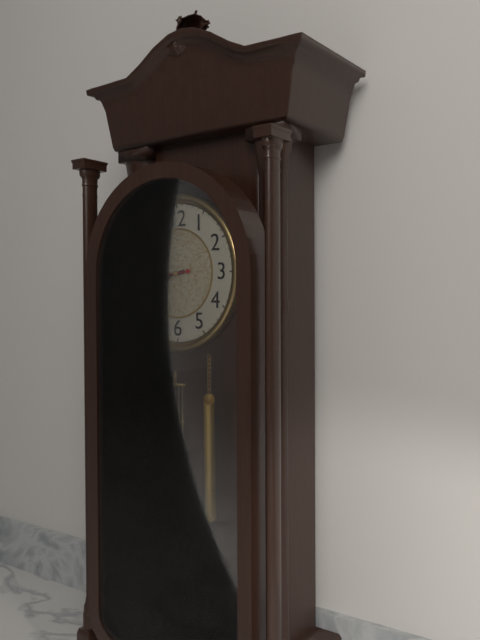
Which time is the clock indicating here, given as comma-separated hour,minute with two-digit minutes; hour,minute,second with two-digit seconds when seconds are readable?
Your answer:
8,43,44
